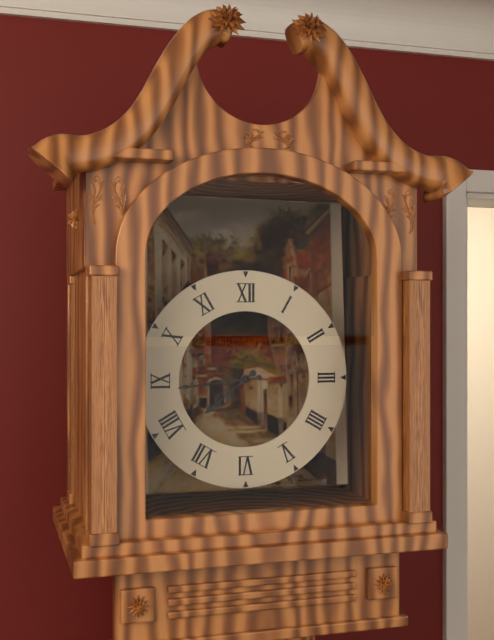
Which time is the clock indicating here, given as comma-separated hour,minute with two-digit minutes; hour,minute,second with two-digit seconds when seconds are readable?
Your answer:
7,44
